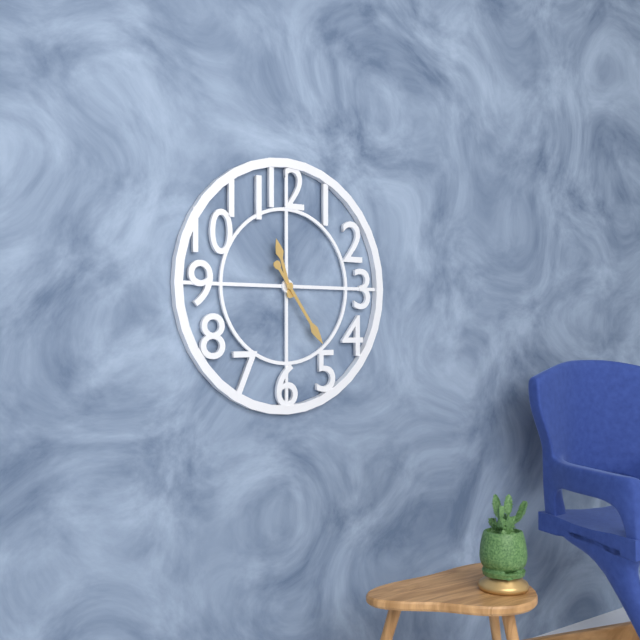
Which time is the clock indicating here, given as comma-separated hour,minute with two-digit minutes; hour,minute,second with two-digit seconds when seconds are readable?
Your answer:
11,24
